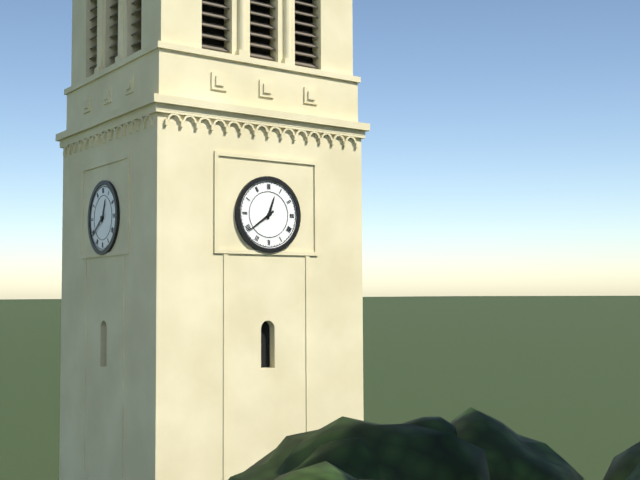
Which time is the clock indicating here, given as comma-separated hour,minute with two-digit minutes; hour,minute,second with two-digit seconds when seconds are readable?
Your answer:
12,39
